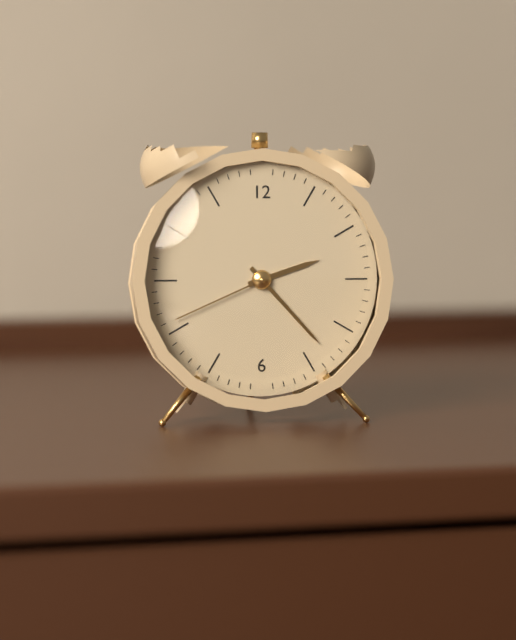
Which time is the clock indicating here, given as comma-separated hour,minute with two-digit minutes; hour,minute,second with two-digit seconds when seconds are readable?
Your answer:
2,23,41
